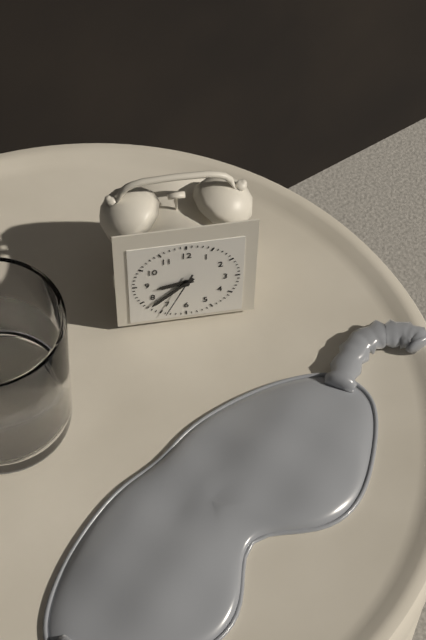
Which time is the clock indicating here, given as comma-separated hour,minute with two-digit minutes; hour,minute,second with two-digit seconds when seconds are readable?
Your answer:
8,38,34
